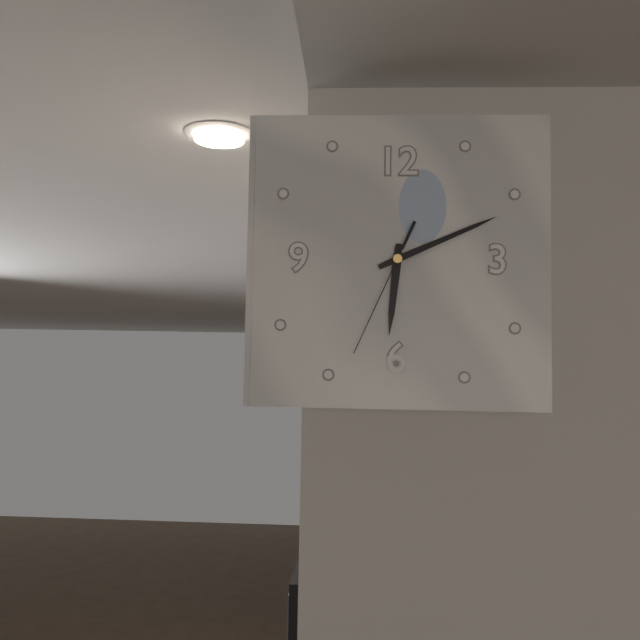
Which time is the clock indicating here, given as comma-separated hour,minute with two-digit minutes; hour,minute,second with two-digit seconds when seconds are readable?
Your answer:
6,11,34
